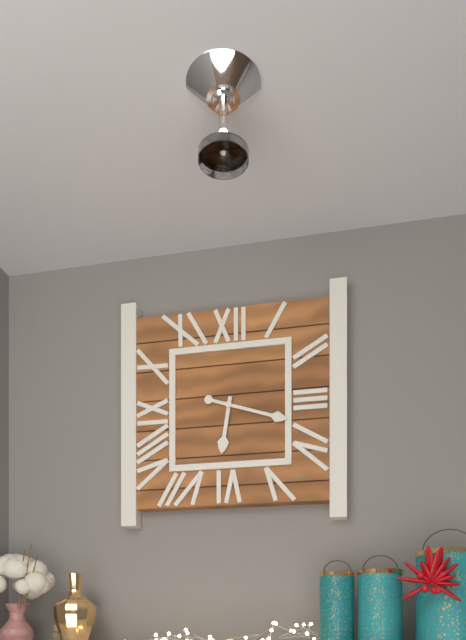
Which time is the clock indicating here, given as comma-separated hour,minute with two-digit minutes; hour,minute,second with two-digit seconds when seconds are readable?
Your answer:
6,18
